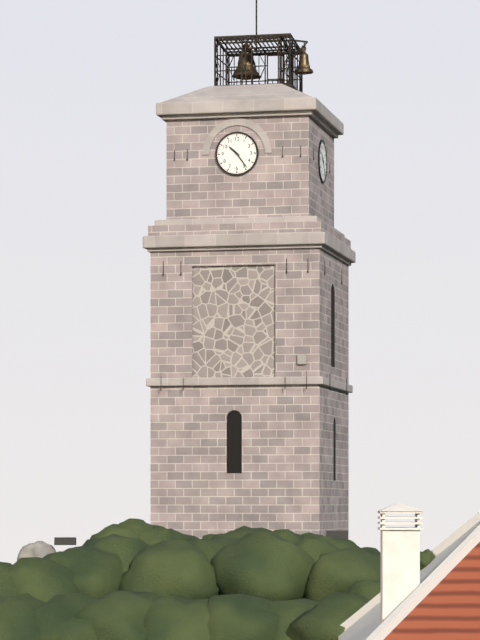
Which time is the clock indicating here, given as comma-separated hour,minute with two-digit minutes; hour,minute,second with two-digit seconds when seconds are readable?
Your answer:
10,24
